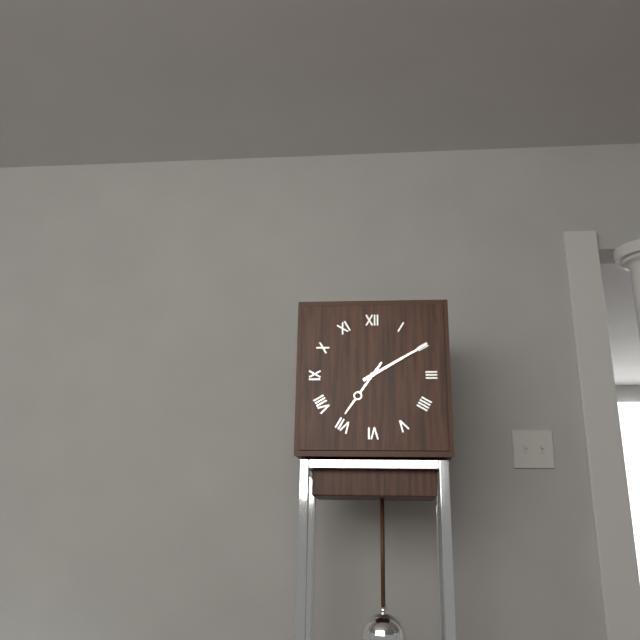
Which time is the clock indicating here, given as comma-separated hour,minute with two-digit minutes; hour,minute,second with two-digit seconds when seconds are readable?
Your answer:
7,10
